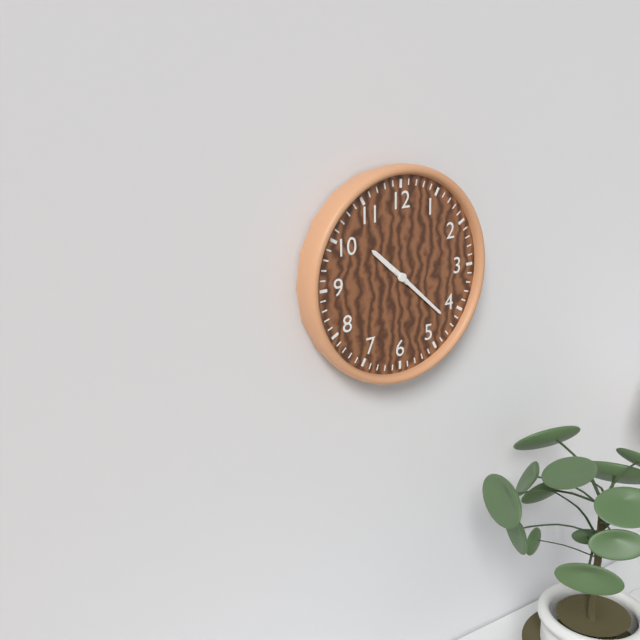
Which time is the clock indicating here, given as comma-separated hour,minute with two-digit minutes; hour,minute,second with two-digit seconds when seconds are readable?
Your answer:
10,22
